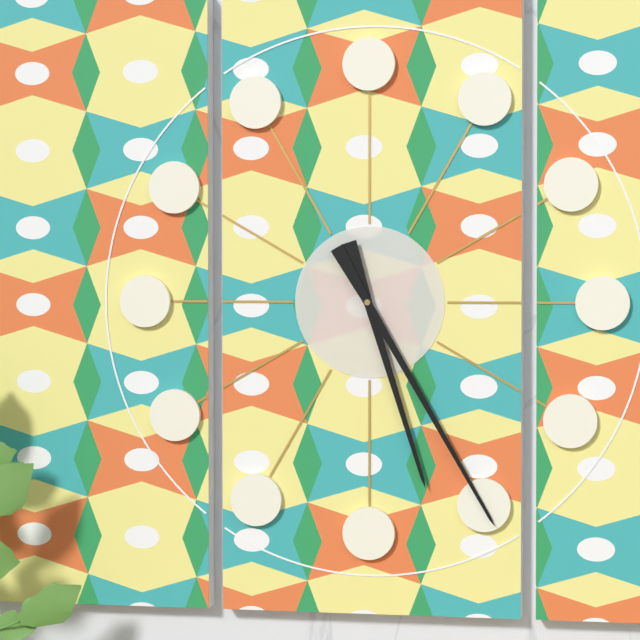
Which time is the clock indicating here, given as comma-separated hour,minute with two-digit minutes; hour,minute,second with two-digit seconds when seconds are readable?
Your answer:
5,25
